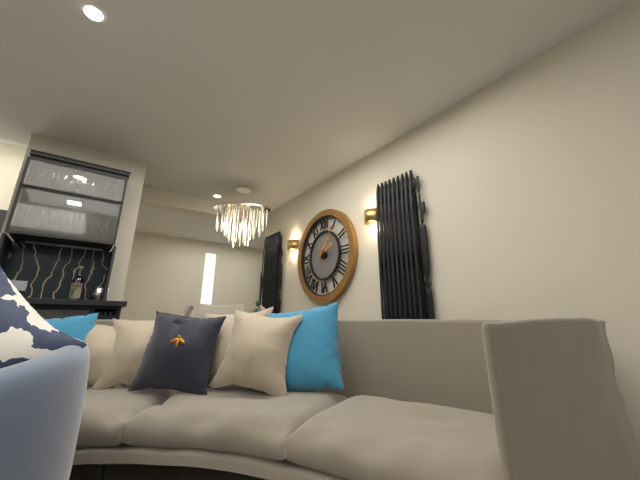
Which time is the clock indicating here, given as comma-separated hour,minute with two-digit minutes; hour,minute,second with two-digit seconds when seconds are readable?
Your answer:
2,06
